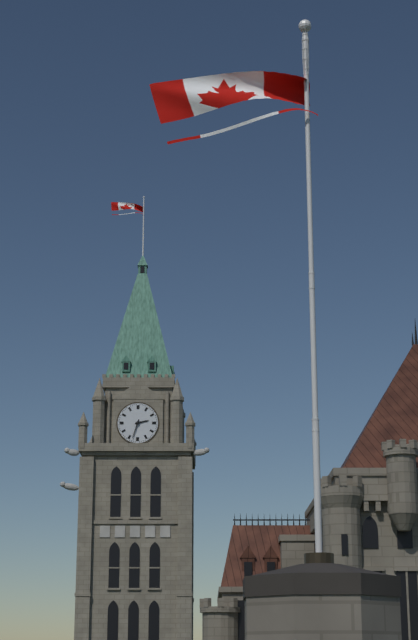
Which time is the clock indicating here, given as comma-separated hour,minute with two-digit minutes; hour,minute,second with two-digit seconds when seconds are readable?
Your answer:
2,33
